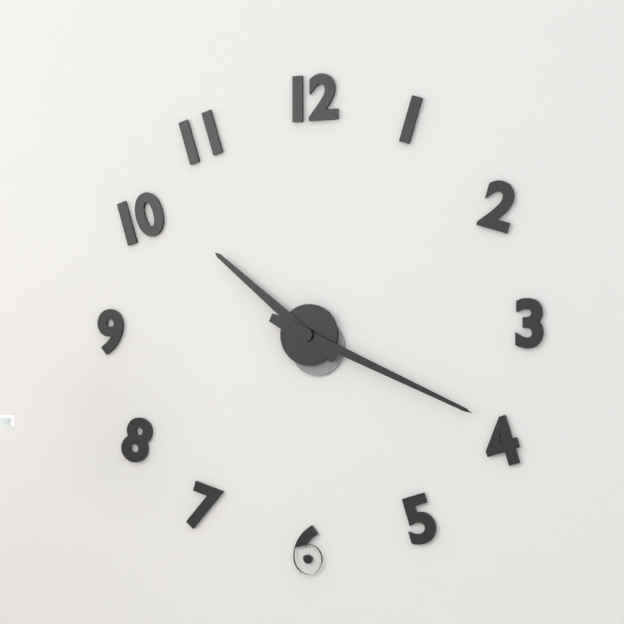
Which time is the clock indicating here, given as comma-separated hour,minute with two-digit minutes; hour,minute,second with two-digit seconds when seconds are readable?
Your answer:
10,19
